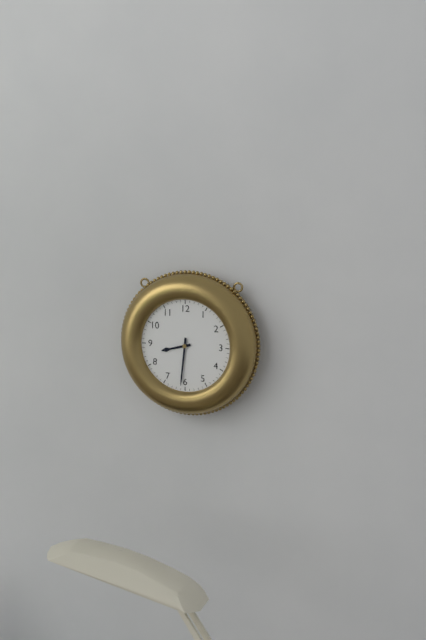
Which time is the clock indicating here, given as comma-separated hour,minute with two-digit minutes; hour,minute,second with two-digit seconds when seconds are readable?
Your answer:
8,31
